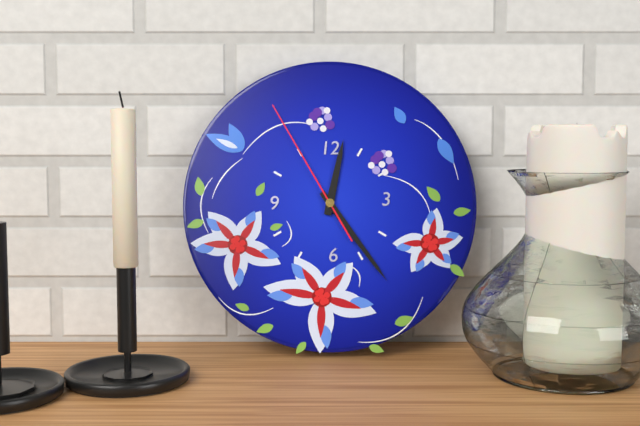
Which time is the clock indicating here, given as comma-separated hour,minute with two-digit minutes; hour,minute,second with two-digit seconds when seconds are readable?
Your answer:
12,24,55
